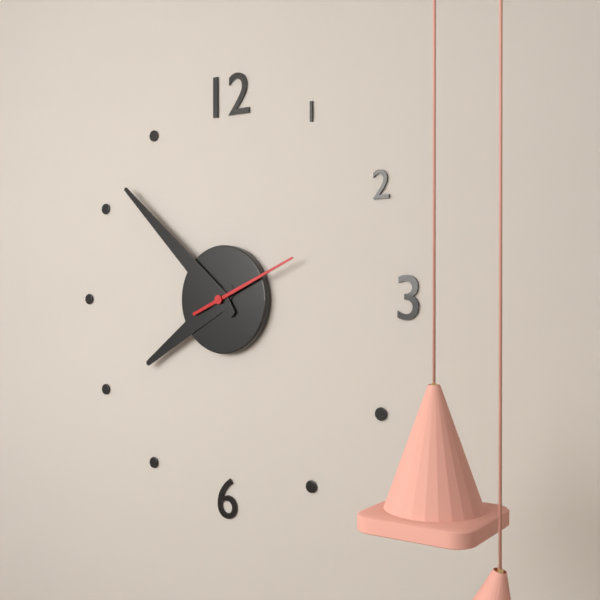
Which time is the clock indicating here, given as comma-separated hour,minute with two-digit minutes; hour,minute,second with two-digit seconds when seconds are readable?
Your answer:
7,52,11
